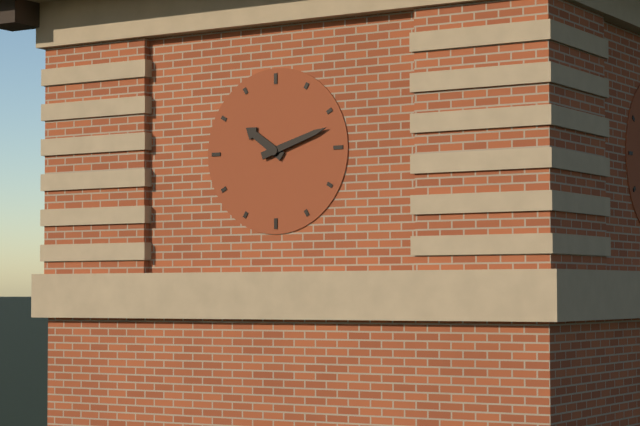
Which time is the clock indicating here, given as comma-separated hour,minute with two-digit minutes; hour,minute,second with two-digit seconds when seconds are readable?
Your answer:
10,12
